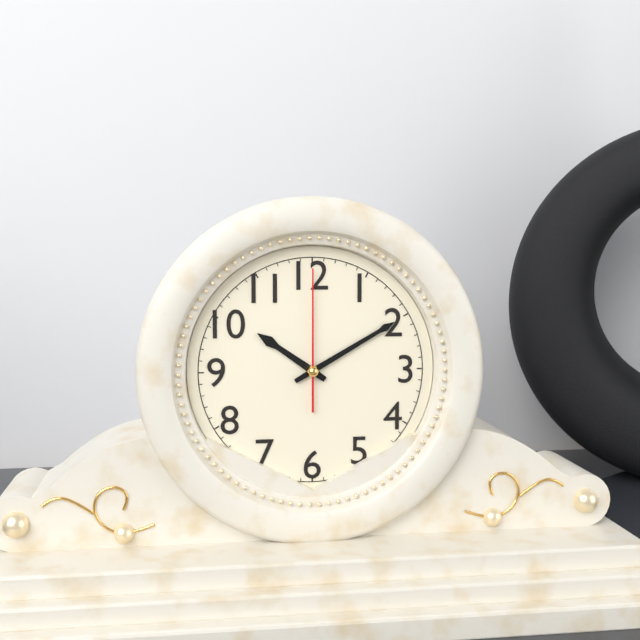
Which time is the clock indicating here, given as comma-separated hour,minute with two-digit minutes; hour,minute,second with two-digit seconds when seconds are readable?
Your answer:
10,10,00
